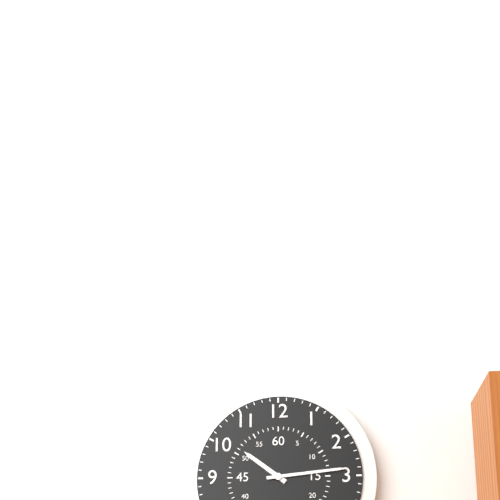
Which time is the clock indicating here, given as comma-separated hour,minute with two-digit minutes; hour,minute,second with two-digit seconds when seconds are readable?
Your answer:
10,14
